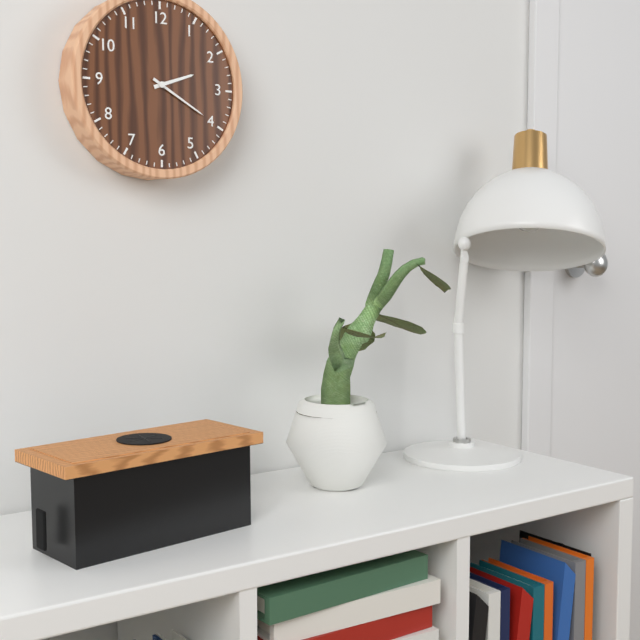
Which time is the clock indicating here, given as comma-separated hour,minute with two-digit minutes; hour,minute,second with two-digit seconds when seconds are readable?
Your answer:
2,20
